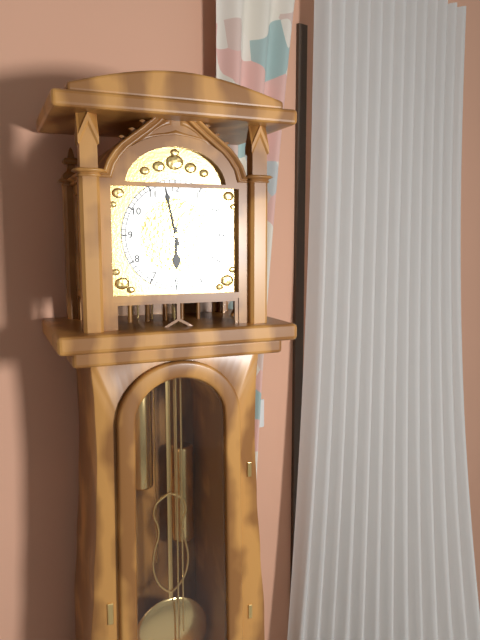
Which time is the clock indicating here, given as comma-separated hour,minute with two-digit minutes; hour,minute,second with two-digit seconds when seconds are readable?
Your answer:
5,58
